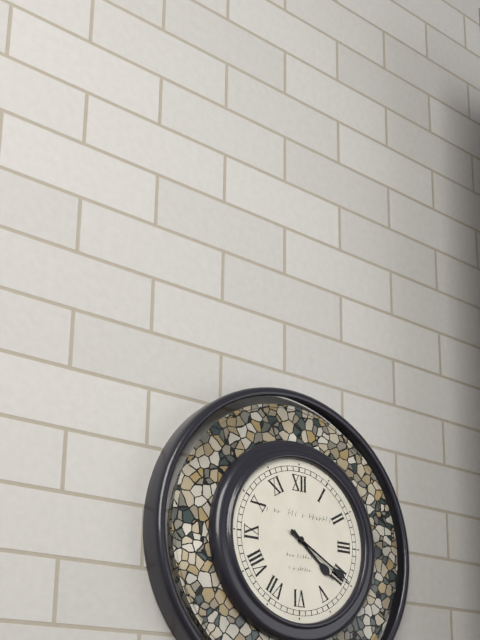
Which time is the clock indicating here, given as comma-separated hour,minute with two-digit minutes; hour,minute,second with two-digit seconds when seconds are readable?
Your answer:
4,20
